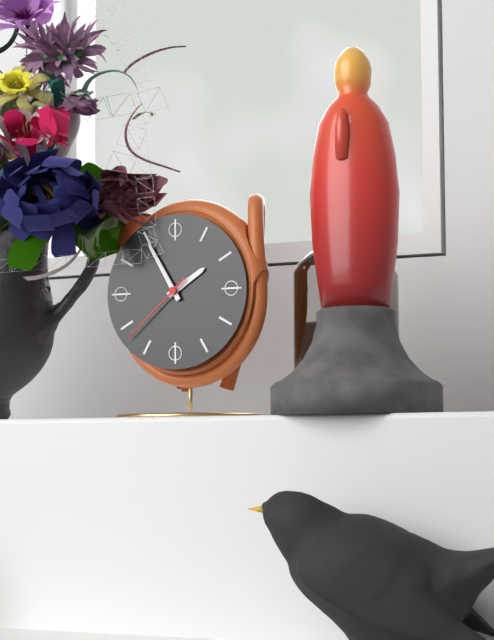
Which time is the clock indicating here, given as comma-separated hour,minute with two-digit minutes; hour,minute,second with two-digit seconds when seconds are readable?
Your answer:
1,55,38
